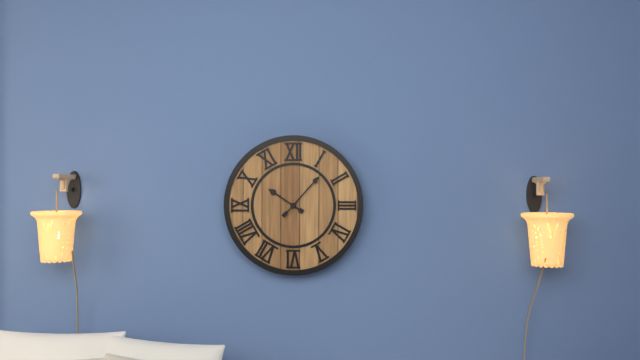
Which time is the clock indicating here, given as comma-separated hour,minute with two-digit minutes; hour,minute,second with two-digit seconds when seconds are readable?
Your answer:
10,07
